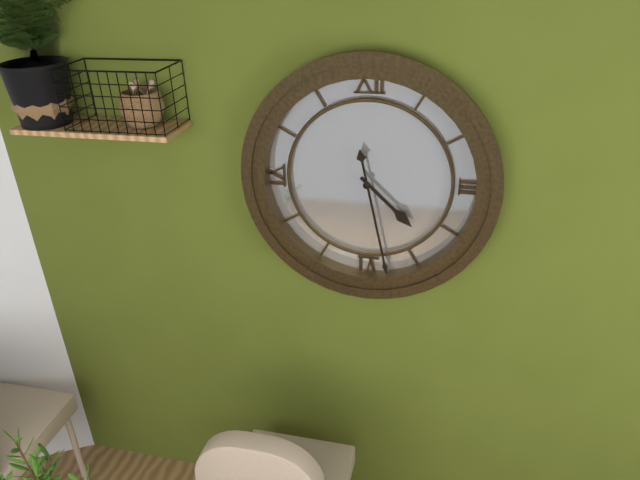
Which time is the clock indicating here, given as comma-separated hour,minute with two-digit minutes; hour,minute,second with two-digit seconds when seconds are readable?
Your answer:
4,28
